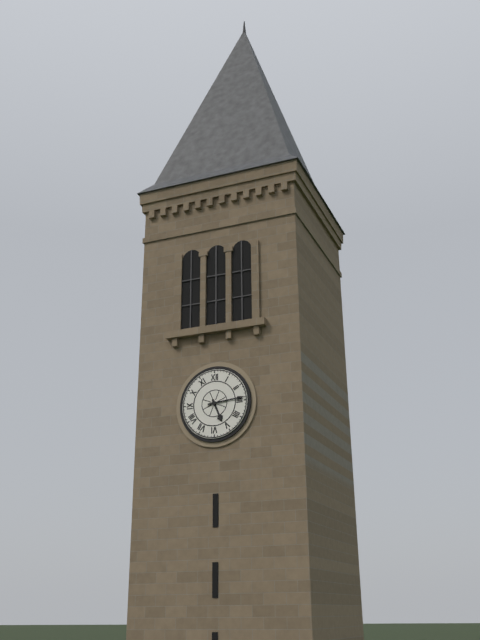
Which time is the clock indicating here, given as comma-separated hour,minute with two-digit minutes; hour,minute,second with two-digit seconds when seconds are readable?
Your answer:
5,14
